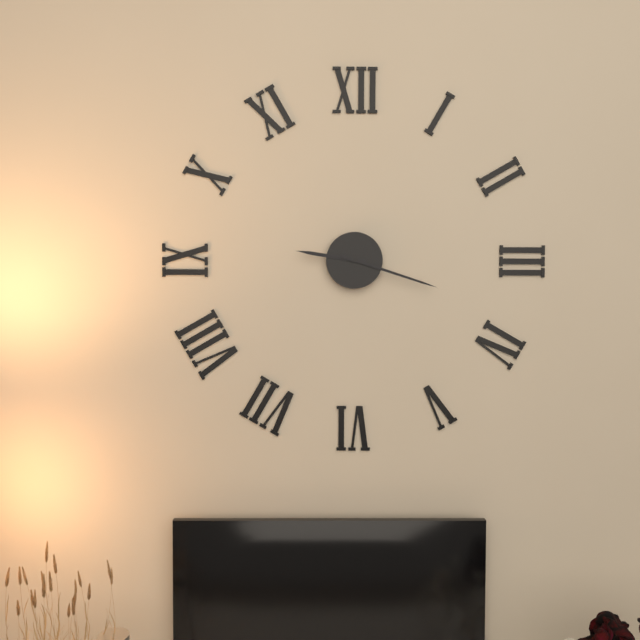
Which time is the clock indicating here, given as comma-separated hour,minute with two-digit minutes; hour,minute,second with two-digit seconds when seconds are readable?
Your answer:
9,18
